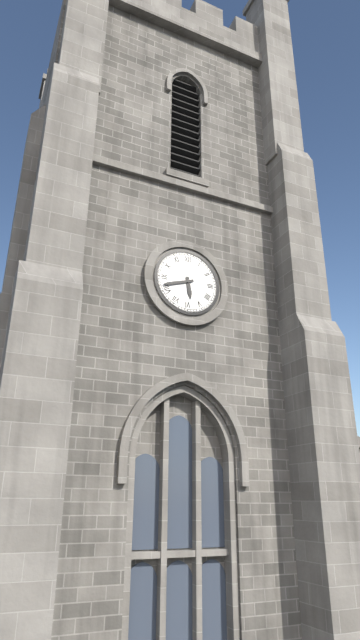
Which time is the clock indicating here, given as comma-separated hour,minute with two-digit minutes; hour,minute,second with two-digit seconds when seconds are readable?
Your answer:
5,42
